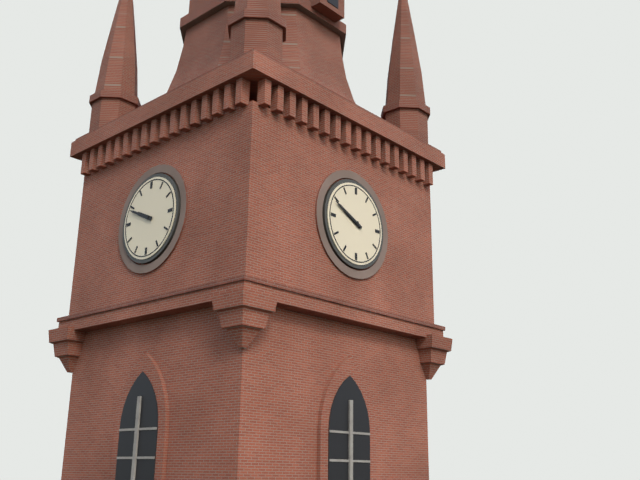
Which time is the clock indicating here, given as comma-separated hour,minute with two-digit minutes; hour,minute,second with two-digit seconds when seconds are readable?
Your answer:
9,49
